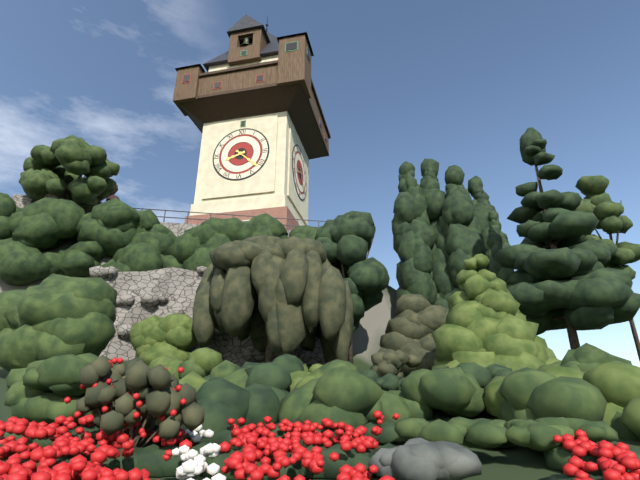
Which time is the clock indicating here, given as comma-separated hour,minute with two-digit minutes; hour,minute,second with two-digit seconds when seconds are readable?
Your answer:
8,22
